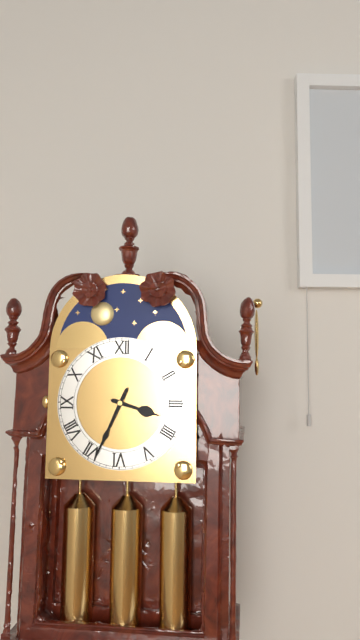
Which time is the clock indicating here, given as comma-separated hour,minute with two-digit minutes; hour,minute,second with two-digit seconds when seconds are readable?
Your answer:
3,34
